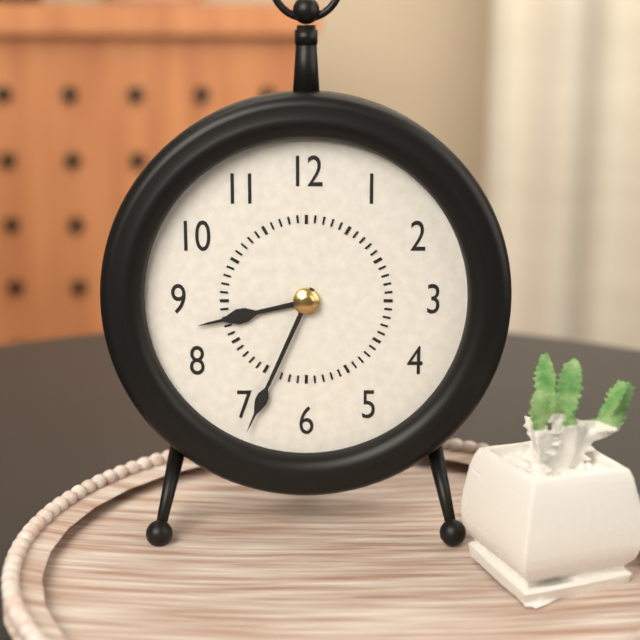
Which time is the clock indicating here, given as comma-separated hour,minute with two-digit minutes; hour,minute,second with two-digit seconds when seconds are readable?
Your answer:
8,34
